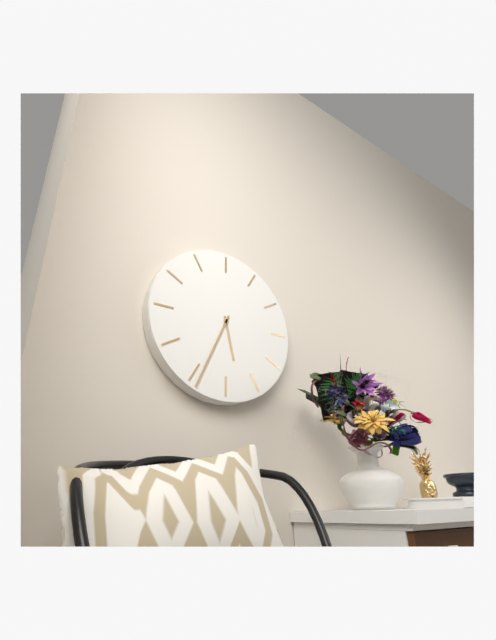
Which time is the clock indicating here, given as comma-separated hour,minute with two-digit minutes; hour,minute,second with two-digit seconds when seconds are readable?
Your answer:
5,34
